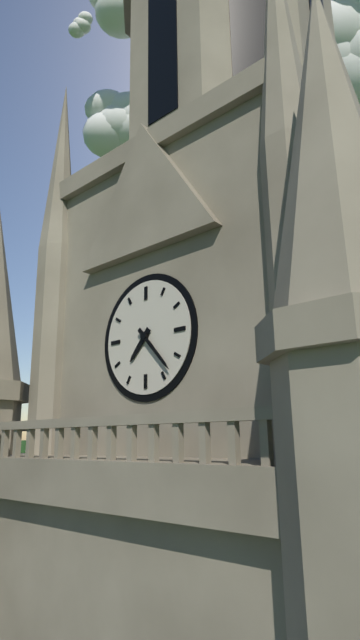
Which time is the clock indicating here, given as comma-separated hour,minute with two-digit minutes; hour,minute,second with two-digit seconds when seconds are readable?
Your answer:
7,23
